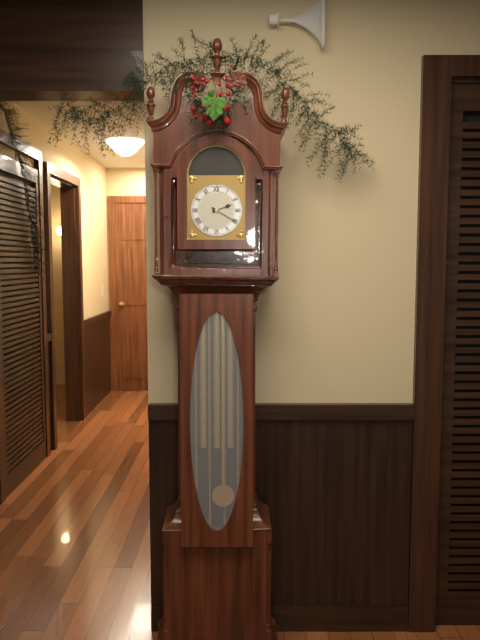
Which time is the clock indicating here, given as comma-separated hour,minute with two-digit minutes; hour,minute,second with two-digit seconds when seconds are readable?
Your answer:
2,20
